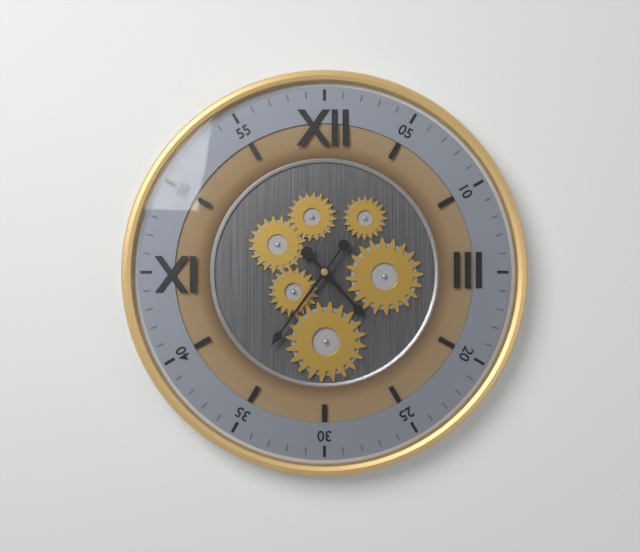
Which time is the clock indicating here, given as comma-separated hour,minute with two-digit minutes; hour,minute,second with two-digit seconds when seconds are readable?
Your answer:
4,36
